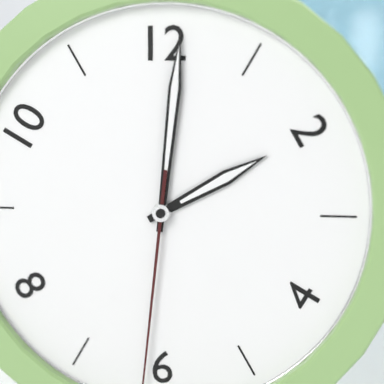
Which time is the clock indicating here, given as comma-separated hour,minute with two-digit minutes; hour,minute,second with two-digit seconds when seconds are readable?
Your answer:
2,01
